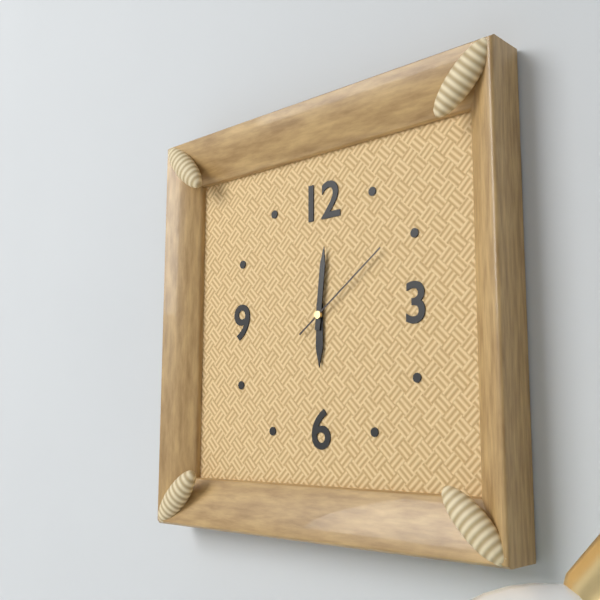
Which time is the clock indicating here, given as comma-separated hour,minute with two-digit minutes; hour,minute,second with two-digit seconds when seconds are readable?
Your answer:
6,01,09
